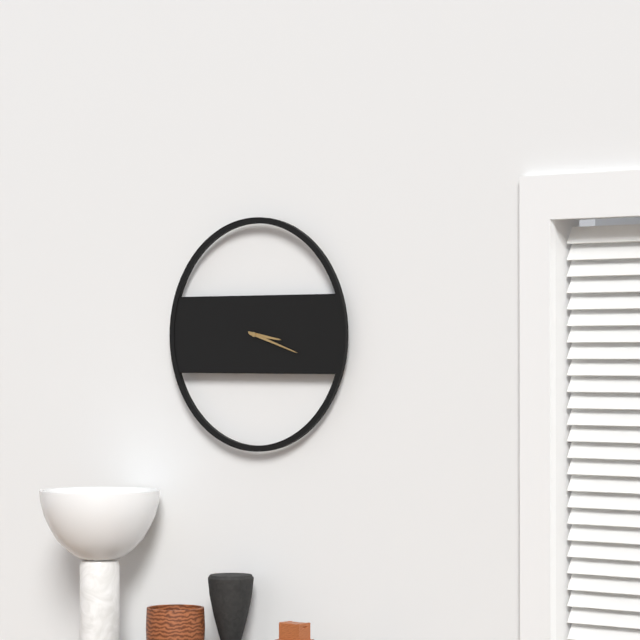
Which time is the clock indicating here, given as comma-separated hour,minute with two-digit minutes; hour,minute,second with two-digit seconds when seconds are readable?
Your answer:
3,18
